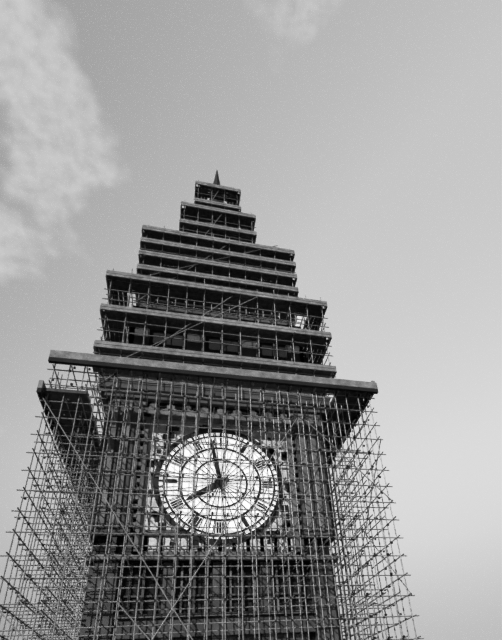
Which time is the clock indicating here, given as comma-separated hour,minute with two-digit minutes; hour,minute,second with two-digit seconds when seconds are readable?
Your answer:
7,58
